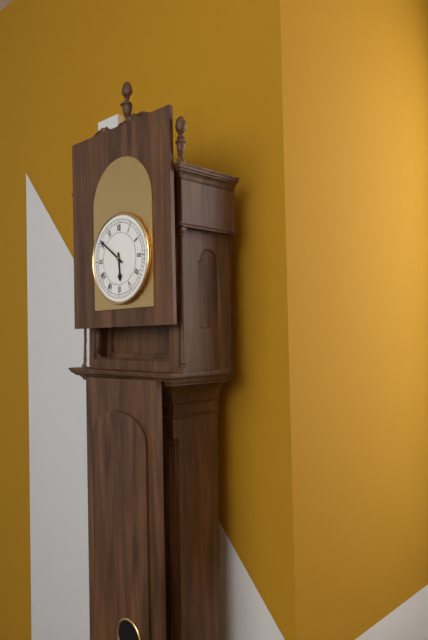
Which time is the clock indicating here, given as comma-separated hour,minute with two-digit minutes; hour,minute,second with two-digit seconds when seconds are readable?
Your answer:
5,51
